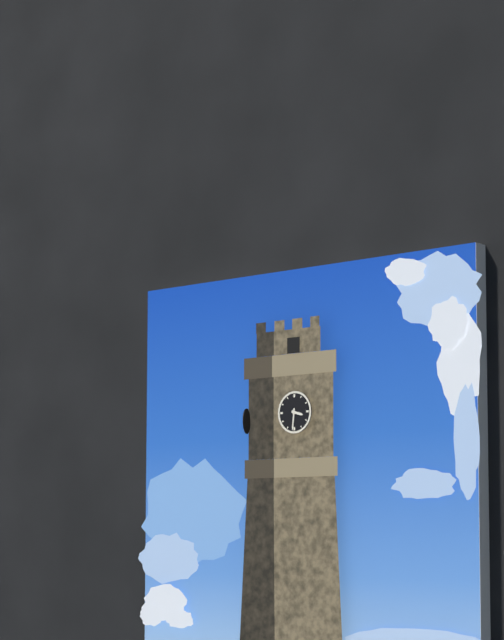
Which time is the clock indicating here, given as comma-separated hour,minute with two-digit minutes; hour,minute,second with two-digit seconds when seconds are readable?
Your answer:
3,31
